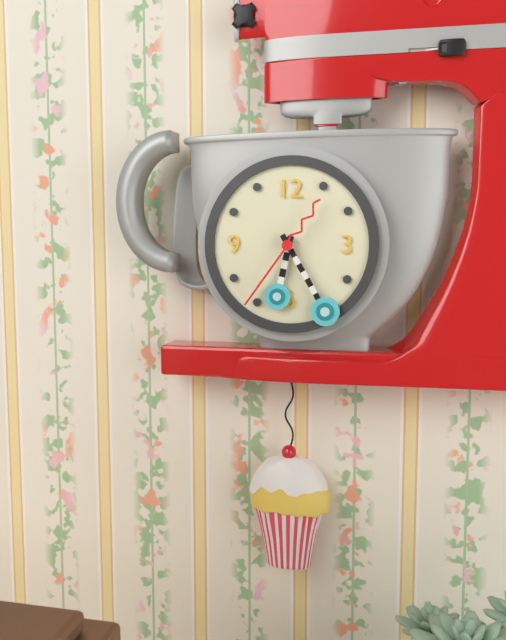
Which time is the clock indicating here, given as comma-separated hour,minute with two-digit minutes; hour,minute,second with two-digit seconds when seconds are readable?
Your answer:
6,25,36
